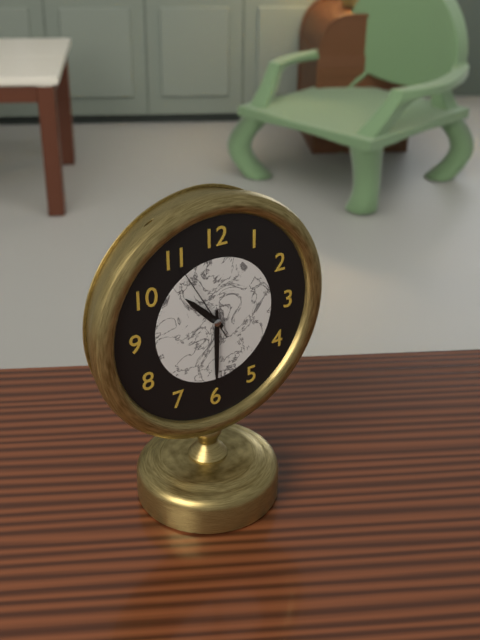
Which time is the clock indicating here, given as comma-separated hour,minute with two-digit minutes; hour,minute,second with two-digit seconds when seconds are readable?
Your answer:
10,30,55
